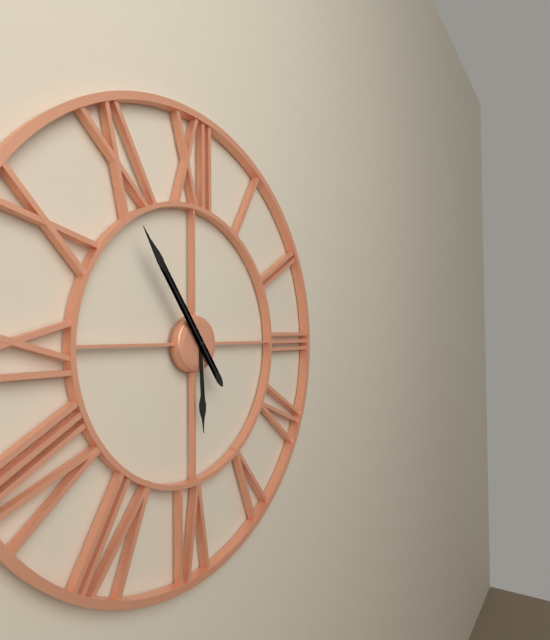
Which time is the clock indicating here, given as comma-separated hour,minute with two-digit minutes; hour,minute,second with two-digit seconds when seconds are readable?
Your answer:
5,54
